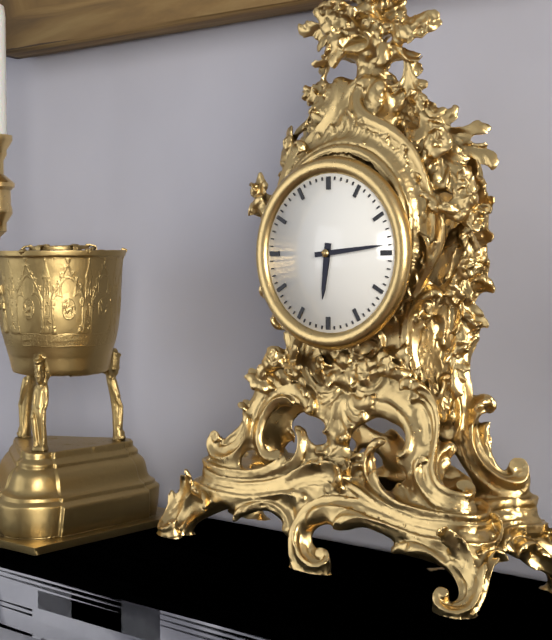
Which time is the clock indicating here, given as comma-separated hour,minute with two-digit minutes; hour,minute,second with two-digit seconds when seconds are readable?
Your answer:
6,14
